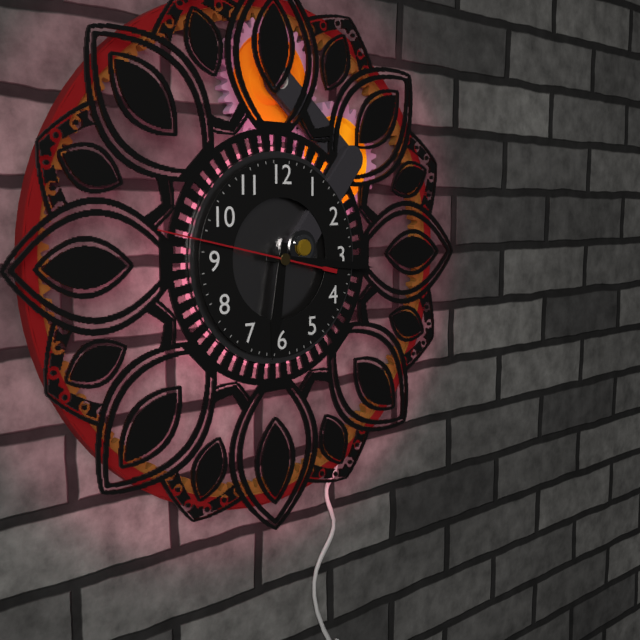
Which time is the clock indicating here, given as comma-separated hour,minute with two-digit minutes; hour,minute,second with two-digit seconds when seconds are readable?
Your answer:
6,16,47
